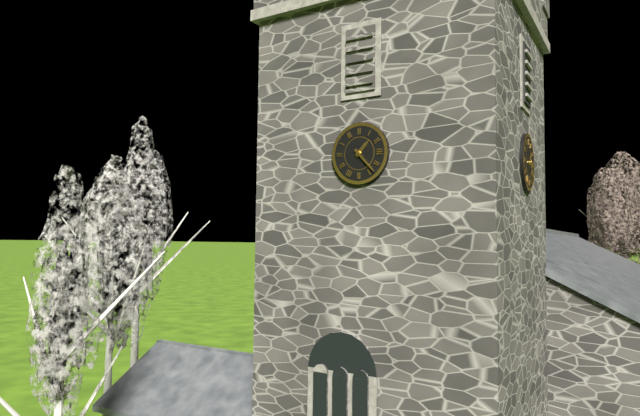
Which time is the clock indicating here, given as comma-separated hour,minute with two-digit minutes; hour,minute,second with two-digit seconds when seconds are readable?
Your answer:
1,23
